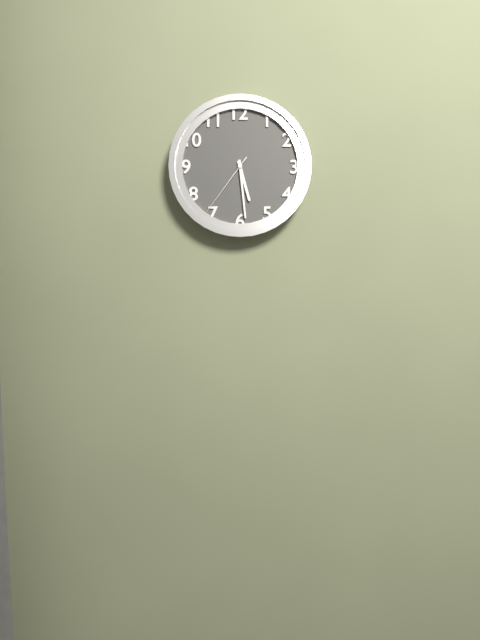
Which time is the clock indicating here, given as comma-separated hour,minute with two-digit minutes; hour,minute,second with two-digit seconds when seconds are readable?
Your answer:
5,29,36
